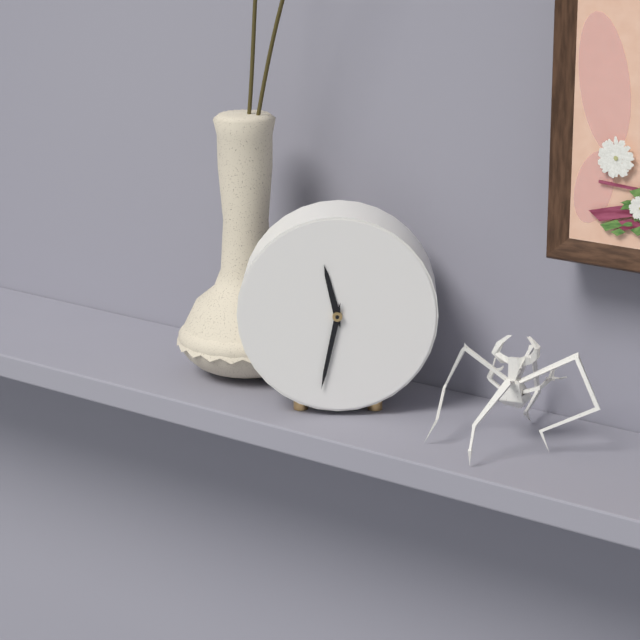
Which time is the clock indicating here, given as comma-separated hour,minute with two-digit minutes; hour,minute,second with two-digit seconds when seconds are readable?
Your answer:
11,32
